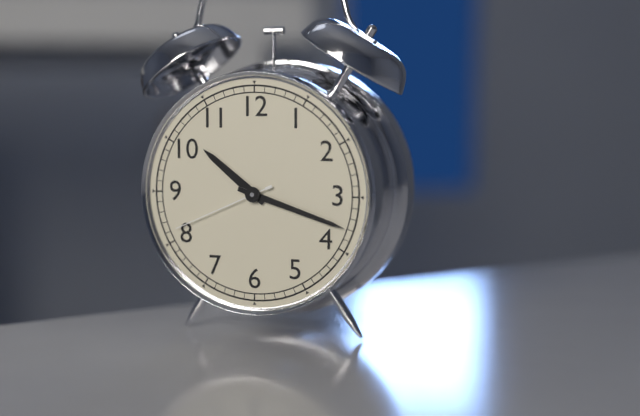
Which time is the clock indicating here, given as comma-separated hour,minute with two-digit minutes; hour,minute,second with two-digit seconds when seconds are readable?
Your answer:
10,18,41
